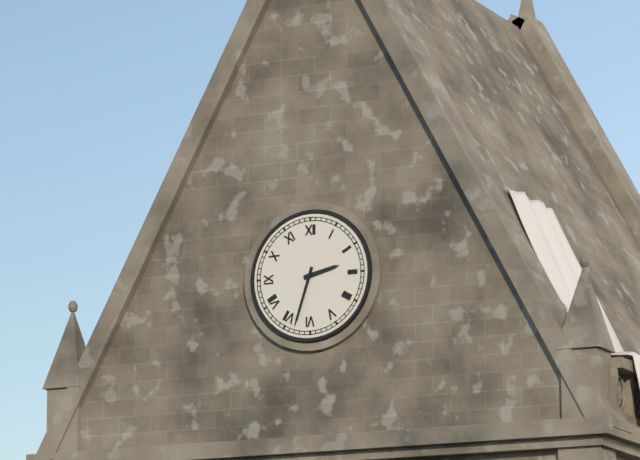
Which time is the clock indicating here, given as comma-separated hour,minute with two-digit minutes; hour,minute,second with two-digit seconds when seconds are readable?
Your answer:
2,33
